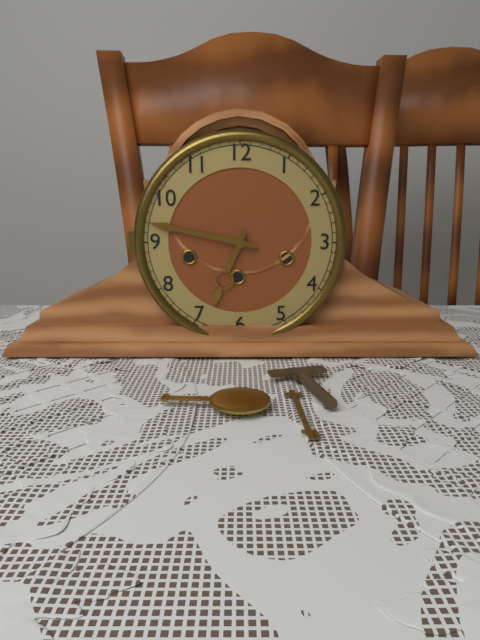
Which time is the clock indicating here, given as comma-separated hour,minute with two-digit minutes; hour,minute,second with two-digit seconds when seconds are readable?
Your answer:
6,47
